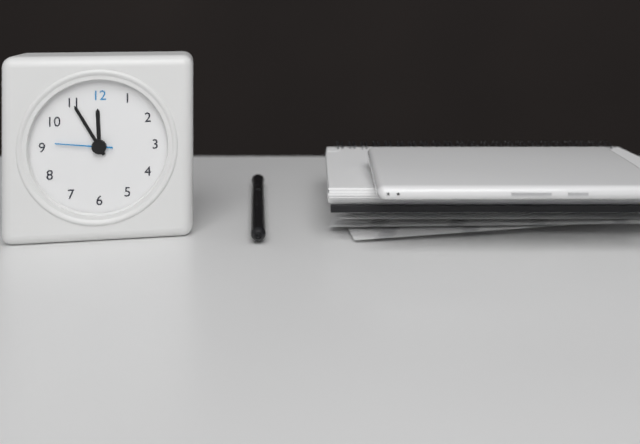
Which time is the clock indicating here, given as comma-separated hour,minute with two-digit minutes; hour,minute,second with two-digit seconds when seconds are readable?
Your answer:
11,55,46
